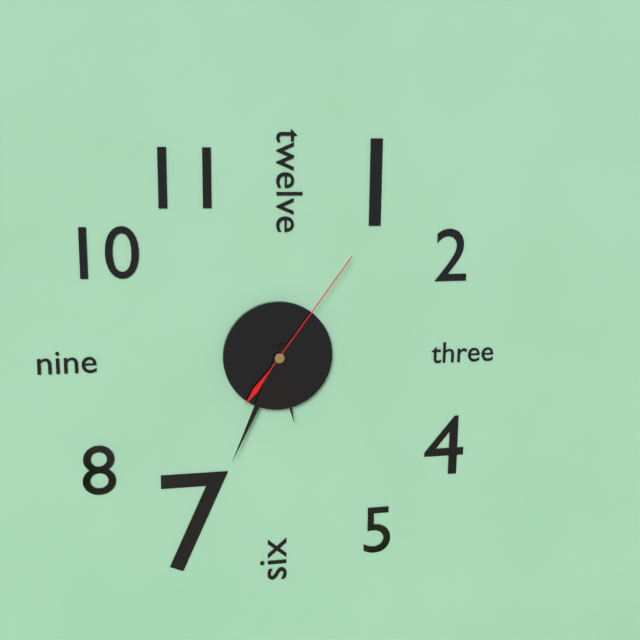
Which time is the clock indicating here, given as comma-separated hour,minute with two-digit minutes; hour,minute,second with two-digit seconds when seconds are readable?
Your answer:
5,34,06
